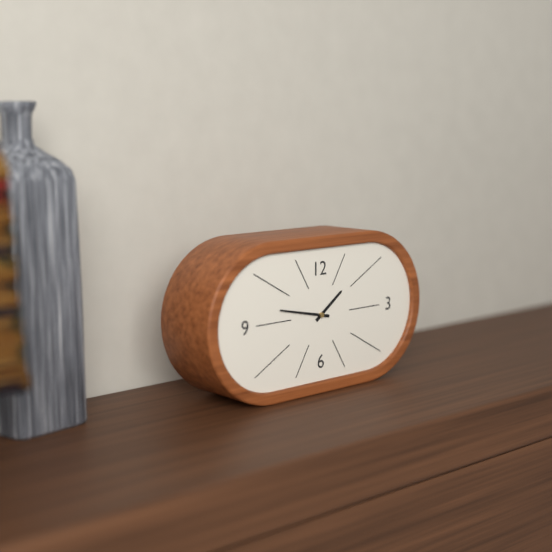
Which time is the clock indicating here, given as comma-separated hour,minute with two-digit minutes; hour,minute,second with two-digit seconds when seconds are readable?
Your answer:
1,47
